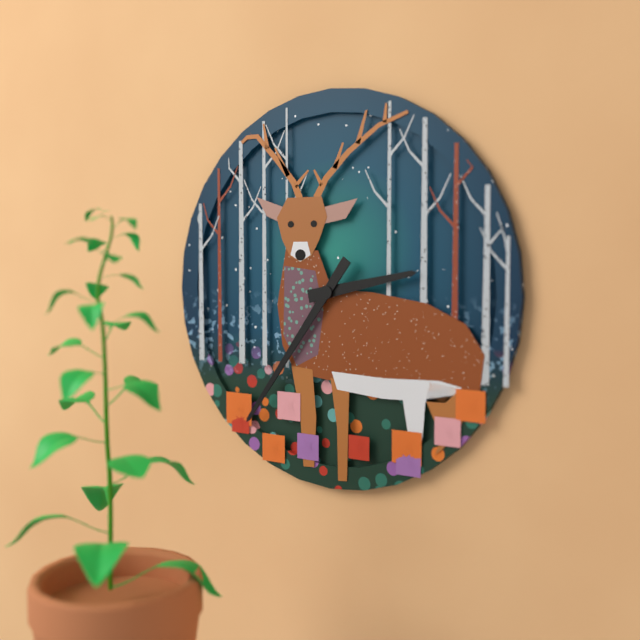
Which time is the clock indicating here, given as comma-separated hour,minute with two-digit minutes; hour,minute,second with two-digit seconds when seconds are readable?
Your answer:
2,36
